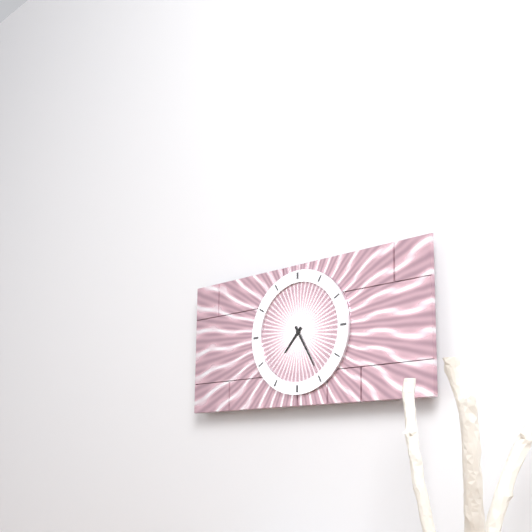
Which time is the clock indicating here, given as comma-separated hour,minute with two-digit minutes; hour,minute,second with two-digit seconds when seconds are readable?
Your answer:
7,25
